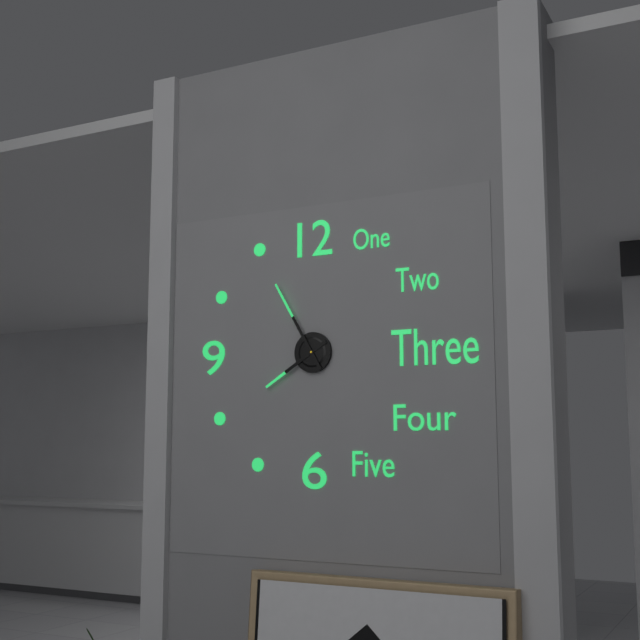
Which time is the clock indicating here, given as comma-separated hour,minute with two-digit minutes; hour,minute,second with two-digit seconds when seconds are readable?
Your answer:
7,55
